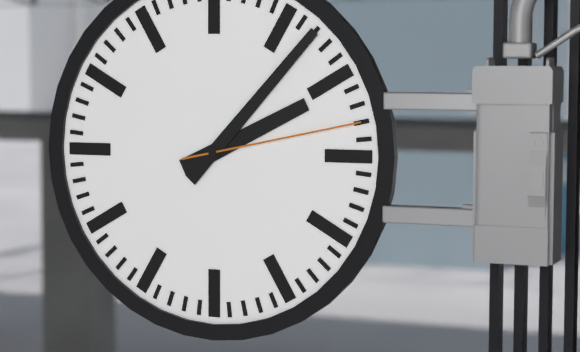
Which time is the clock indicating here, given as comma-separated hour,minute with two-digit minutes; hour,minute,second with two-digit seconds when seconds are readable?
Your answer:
2,07,13
